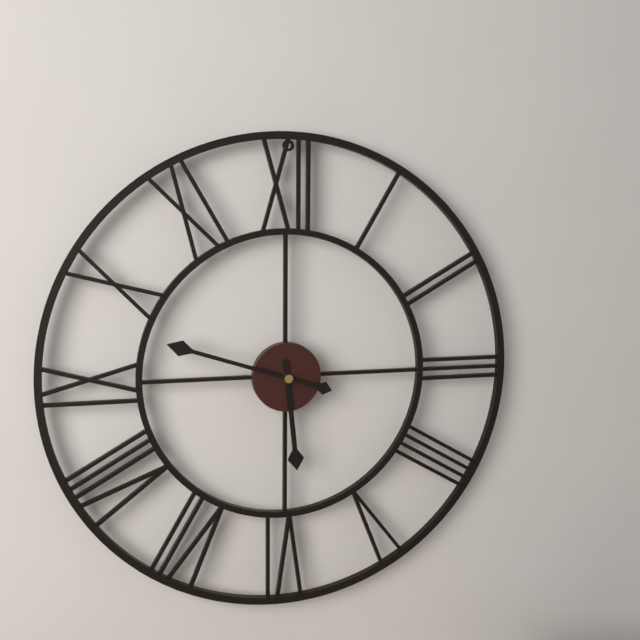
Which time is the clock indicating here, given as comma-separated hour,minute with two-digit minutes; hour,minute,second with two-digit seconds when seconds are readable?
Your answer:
5,48
